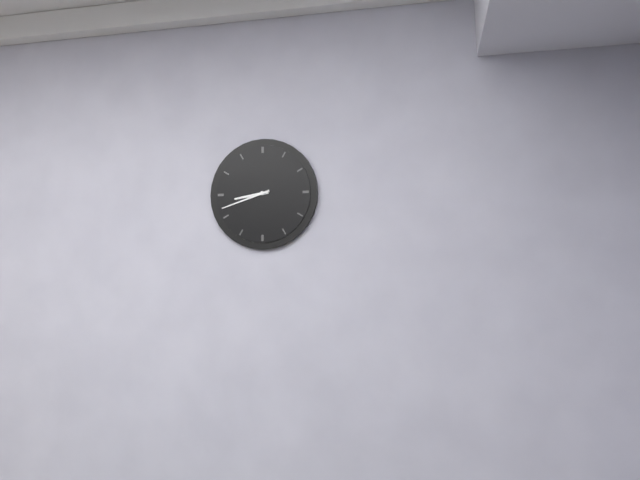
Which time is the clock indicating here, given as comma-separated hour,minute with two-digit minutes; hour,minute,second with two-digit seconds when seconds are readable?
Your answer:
8,42
